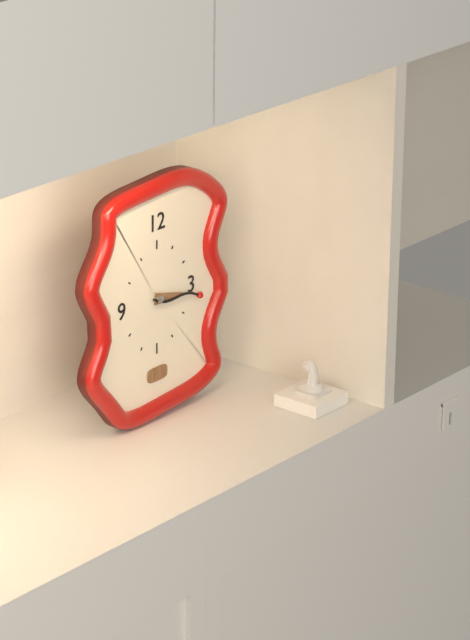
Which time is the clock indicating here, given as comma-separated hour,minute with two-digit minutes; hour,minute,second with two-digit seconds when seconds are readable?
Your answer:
3,17
